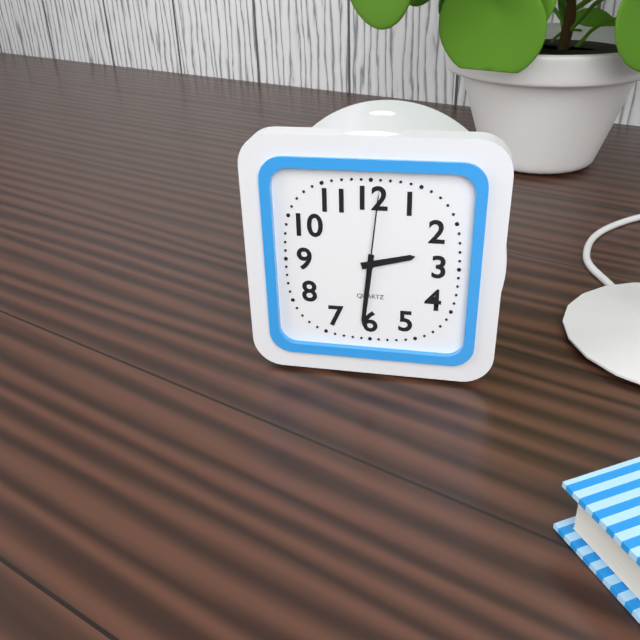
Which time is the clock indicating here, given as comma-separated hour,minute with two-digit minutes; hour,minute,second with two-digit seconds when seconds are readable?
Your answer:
2,31,01
